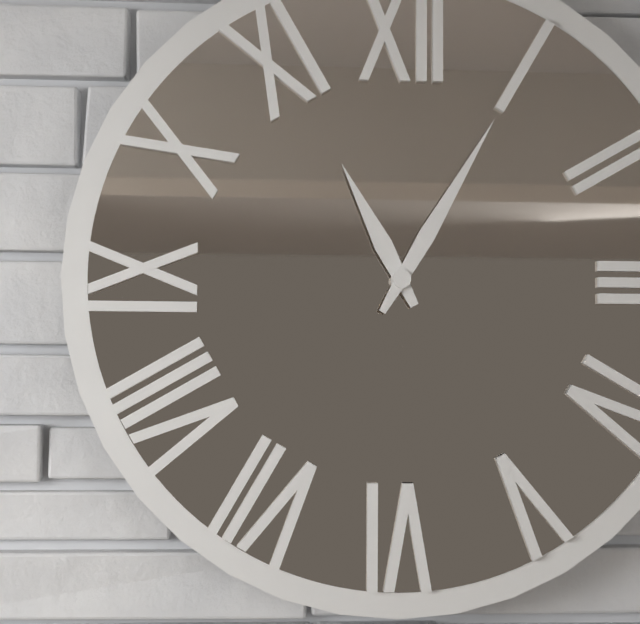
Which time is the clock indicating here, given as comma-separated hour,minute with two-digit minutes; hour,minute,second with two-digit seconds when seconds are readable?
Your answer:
11,05
